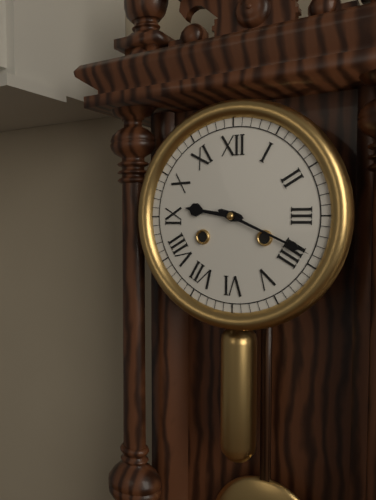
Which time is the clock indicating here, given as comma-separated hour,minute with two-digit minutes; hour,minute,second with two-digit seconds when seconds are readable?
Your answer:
9,19
